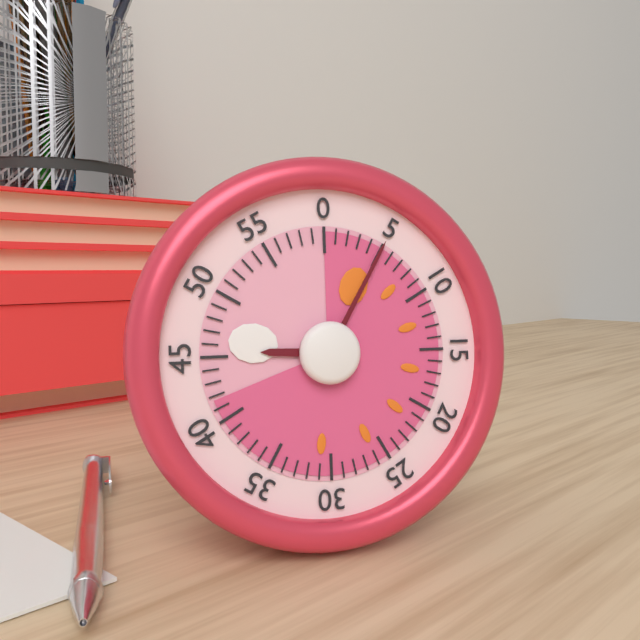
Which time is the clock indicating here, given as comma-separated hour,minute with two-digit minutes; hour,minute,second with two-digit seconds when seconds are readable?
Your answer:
9,05
